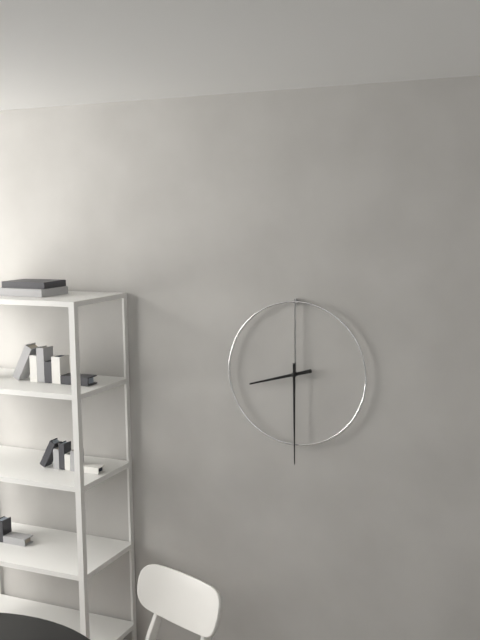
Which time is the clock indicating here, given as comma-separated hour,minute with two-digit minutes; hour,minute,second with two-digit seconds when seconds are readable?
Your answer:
8,30
